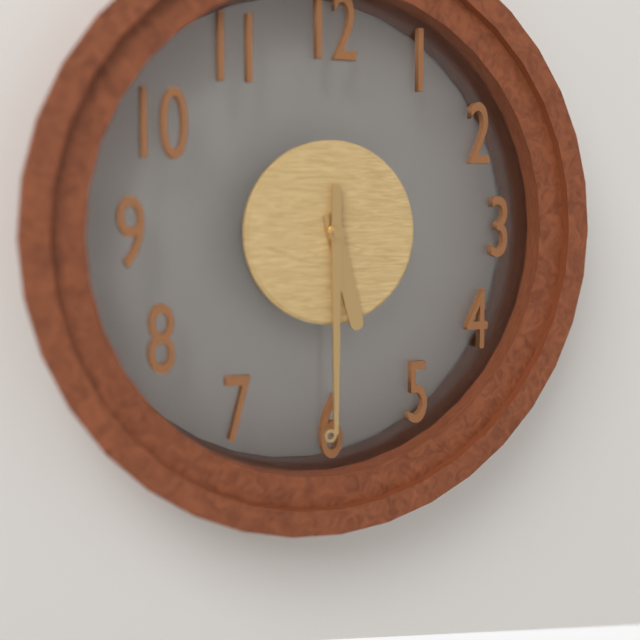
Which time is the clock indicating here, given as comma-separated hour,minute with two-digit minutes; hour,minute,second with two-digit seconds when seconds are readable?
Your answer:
5,30
